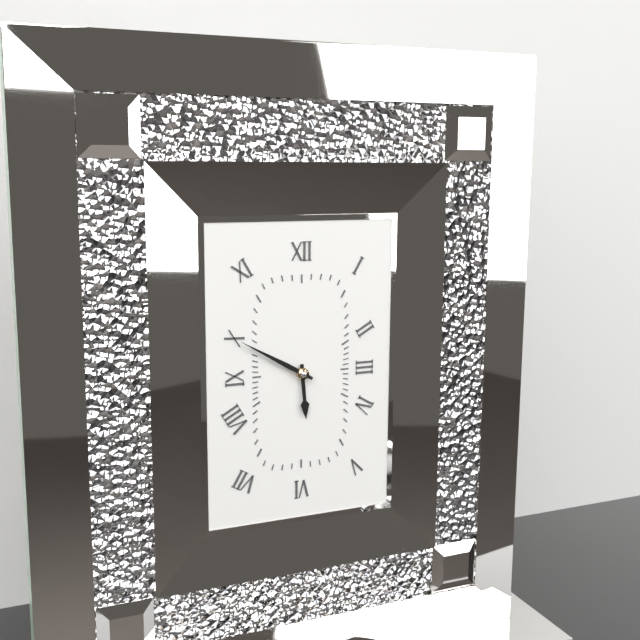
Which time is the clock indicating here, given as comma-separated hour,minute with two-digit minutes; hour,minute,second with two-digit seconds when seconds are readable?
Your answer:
5,50
